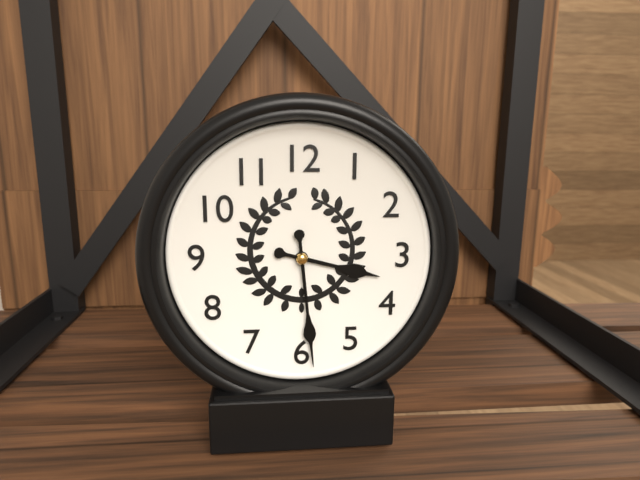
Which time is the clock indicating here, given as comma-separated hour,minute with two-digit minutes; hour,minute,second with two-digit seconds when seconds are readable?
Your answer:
3,29
